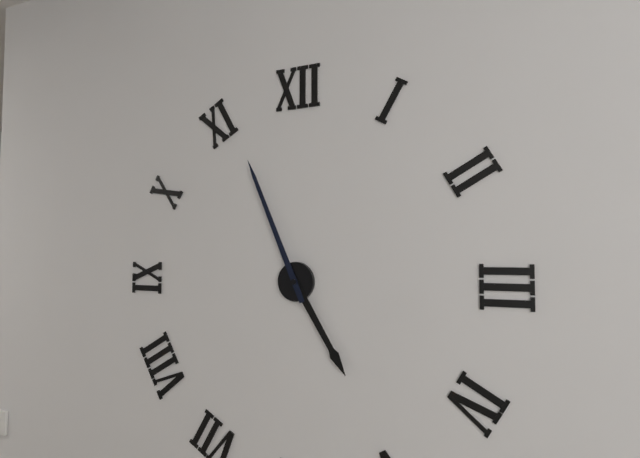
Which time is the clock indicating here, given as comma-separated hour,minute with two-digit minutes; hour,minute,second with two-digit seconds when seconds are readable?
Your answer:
4,56
